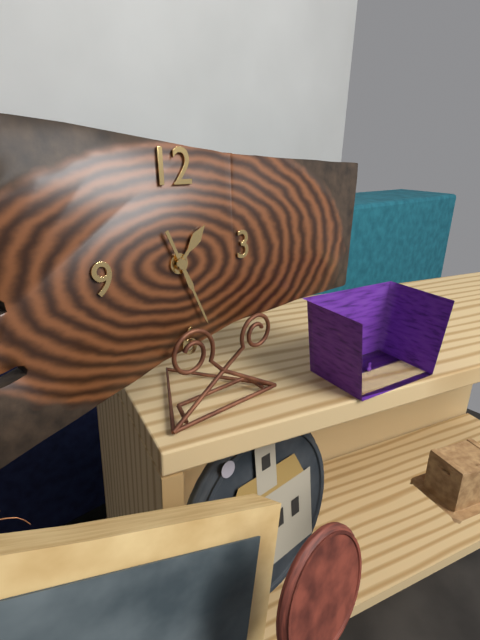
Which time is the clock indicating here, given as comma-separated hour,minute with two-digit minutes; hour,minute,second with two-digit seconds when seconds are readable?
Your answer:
1,26
